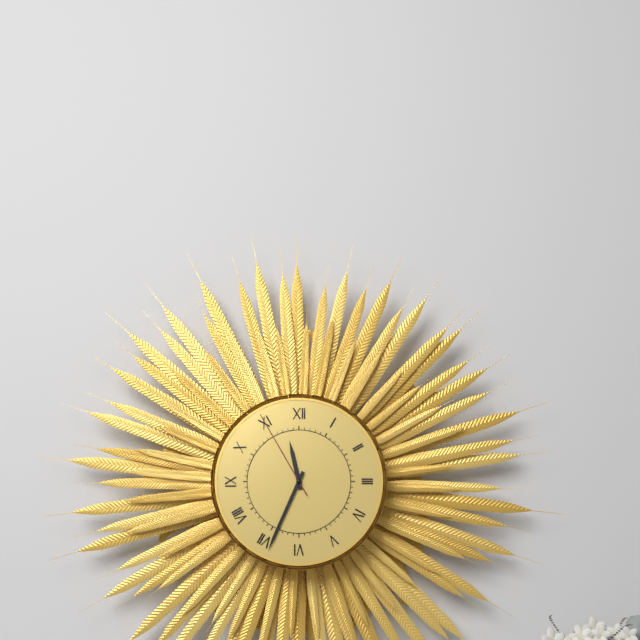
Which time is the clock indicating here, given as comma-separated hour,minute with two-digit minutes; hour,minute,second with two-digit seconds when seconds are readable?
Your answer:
11,34,55
